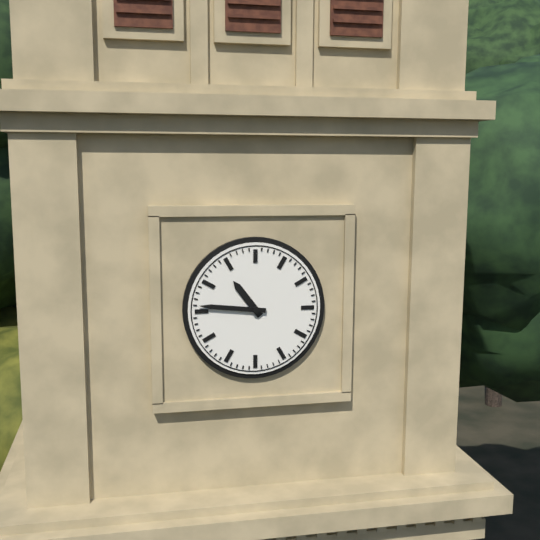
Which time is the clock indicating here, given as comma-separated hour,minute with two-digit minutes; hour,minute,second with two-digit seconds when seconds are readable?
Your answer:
10,46
